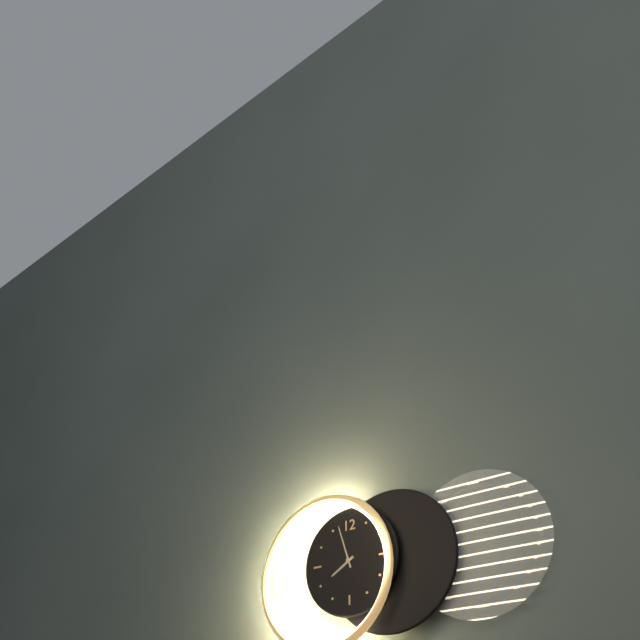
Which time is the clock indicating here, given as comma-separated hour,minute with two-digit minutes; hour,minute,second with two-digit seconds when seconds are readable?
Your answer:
7,57
